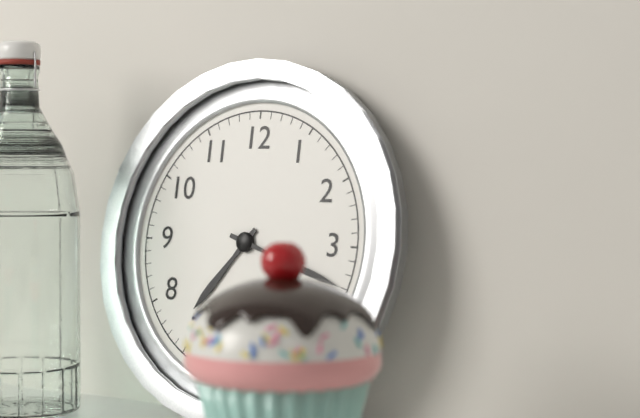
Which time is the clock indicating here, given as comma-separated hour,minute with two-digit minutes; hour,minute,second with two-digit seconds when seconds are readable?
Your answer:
7,18
